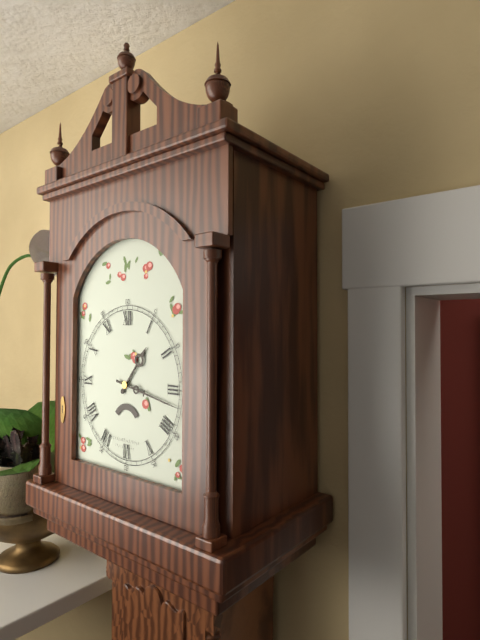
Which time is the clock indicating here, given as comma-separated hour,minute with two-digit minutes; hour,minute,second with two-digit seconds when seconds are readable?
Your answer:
1,17
